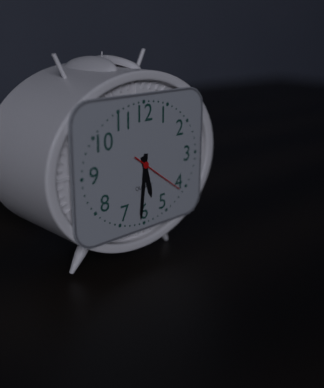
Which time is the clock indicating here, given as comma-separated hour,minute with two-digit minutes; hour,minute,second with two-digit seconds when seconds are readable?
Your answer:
5,31,21
